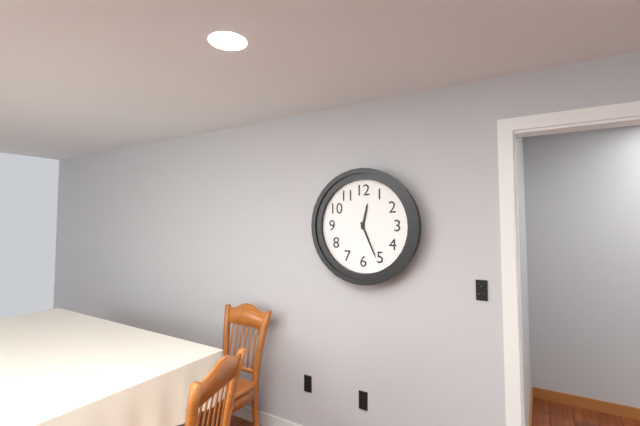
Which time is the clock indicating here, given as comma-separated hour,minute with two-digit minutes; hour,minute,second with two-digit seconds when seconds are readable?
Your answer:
12,26
